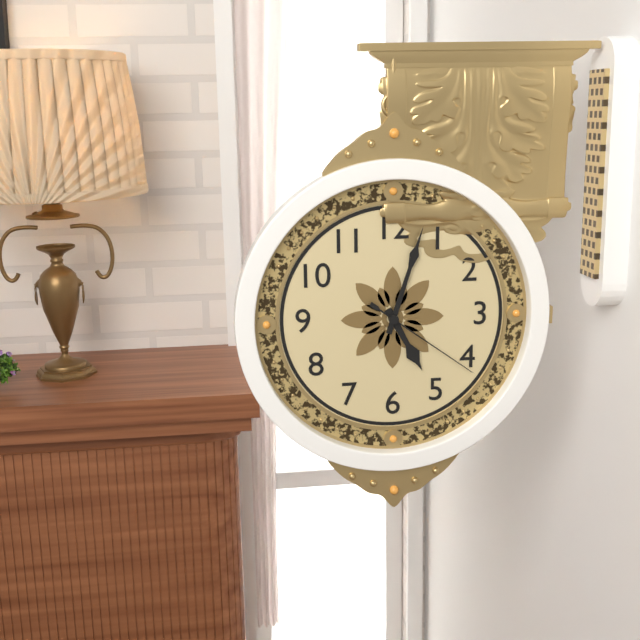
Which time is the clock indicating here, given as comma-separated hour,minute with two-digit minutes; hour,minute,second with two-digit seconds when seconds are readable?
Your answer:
5,03,21
